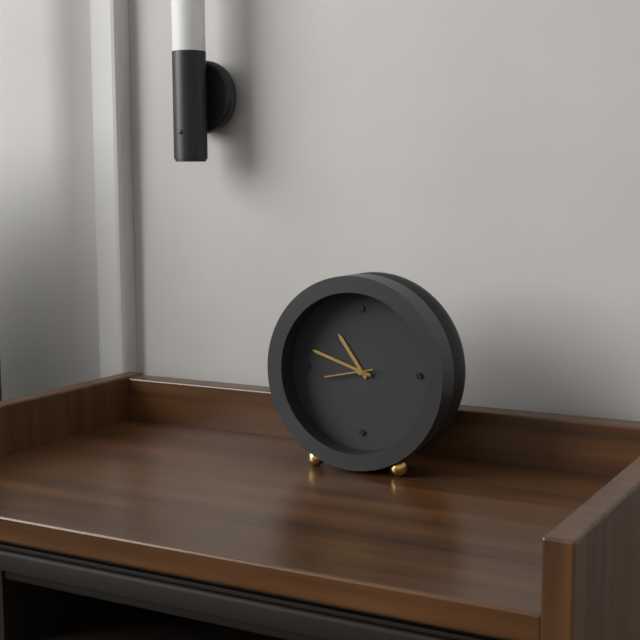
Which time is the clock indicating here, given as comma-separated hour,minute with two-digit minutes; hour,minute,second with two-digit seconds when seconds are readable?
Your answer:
10,48
